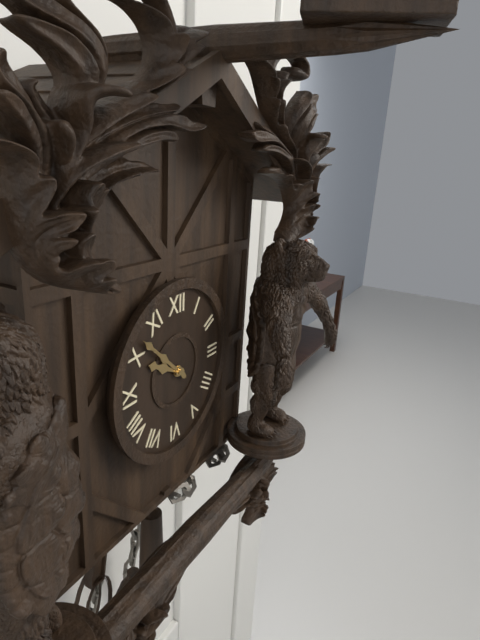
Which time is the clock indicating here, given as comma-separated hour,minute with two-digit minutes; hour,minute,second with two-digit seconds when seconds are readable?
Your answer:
9,52
